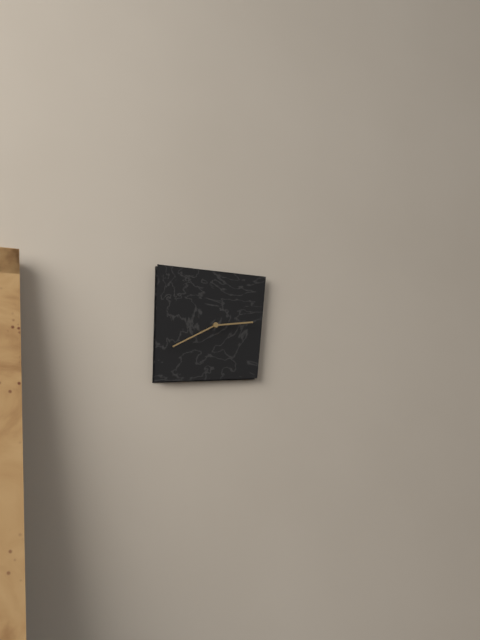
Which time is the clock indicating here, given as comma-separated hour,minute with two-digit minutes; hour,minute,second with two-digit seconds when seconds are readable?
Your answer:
2,40
